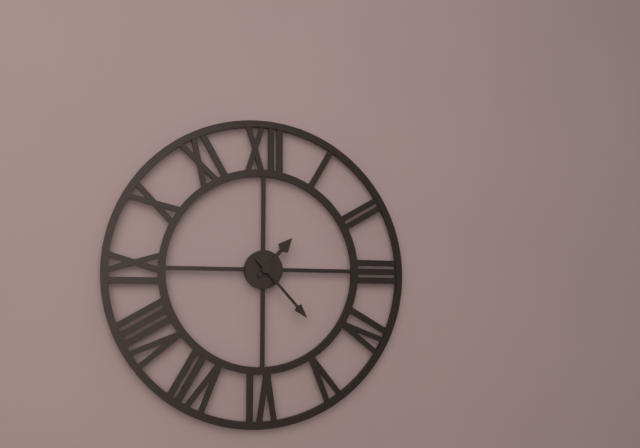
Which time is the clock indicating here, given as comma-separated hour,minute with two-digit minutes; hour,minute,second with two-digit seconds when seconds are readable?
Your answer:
1,23
